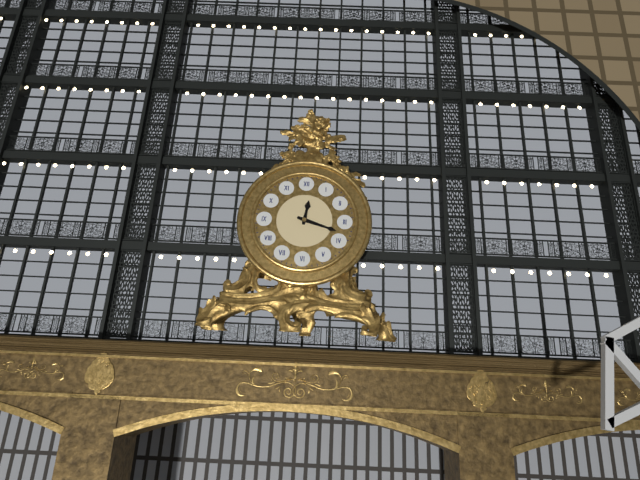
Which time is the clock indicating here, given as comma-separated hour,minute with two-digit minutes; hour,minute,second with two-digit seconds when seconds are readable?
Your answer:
12,18
